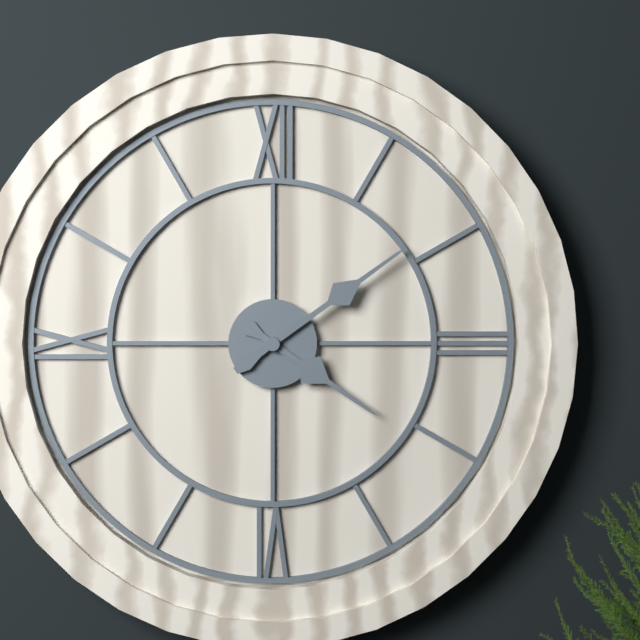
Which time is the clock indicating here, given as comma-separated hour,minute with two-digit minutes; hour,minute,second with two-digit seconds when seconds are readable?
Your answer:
4,09
